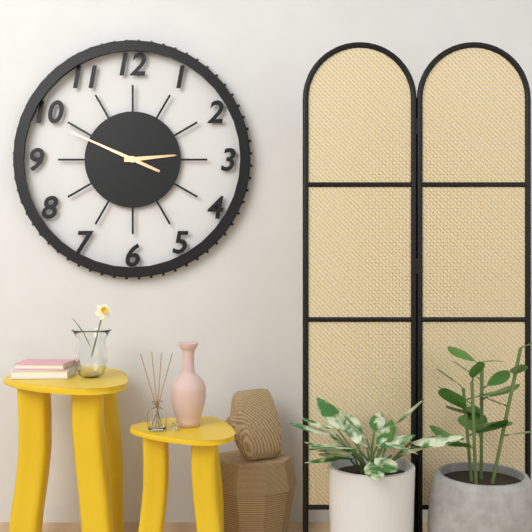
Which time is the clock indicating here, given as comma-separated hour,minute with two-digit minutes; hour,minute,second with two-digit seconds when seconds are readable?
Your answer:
2,49
